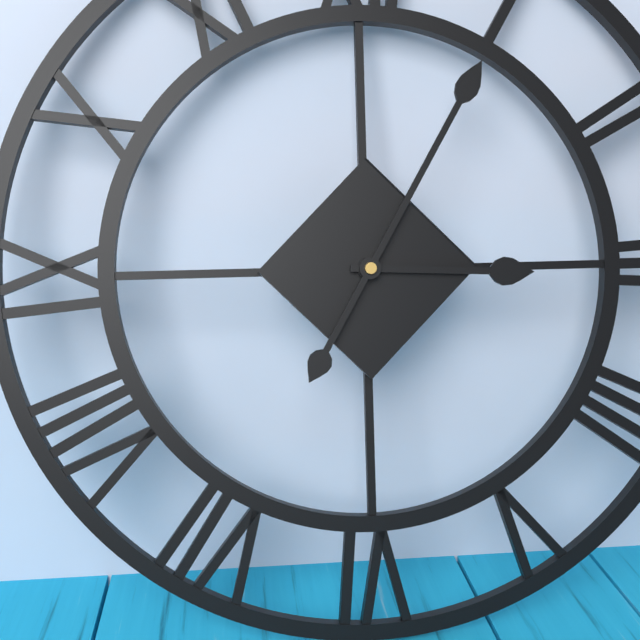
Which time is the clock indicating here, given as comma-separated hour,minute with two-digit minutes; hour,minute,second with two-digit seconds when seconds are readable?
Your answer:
3,05
